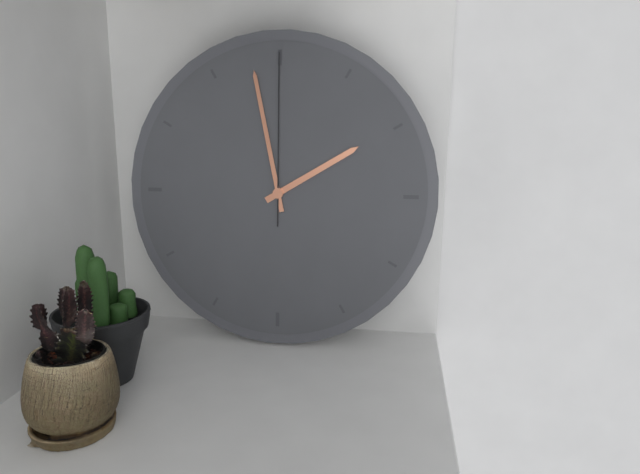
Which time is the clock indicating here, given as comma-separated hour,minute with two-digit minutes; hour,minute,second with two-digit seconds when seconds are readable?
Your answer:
1,58,00
